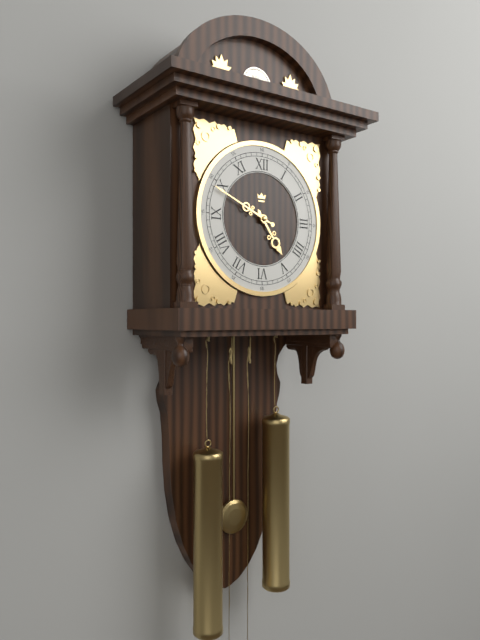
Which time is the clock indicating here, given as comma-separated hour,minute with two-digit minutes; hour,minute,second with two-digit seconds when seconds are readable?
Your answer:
4,49
